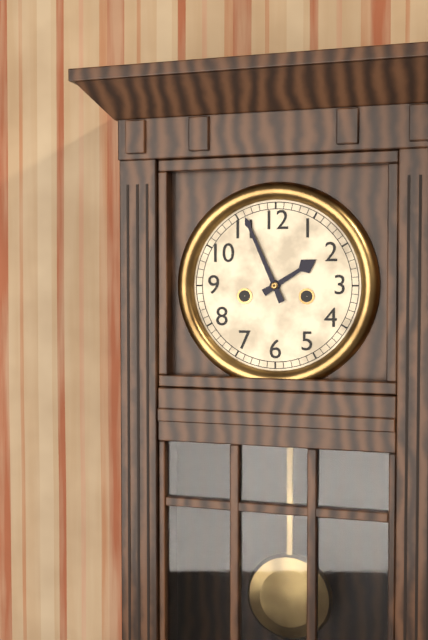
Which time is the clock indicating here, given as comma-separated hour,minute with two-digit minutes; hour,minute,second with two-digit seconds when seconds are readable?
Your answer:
1,56
